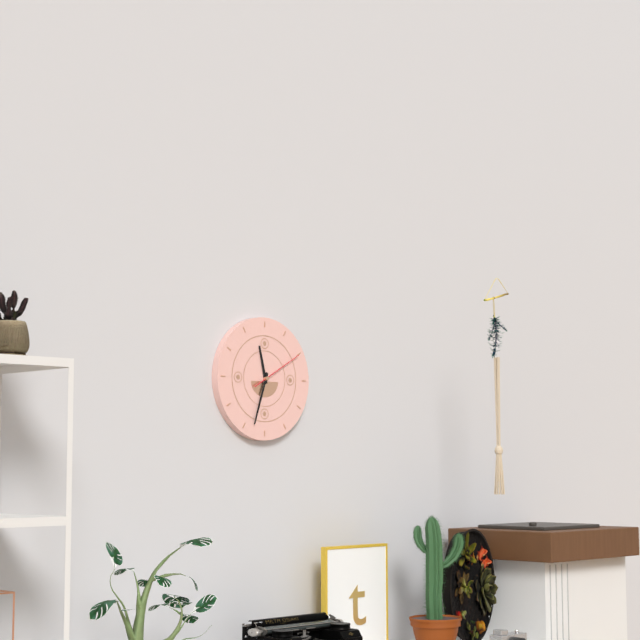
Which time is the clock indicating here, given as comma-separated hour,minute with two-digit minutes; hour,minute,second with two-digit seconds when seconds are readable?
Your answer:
11,33,10
